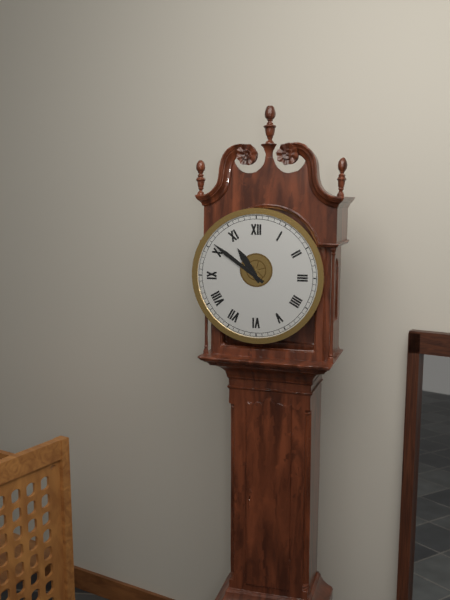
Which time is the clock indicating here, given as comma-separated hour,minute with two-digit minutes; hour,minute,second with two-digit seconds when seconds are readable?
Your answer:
10,51
